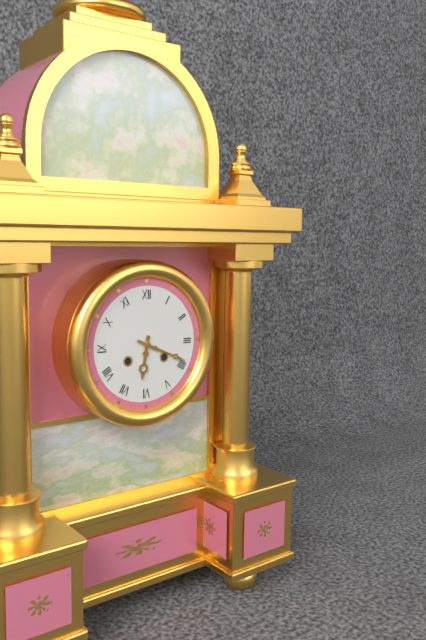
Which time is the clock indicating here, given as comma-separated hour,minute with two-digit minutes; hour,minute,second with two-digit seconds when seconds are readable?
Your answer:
6,19
